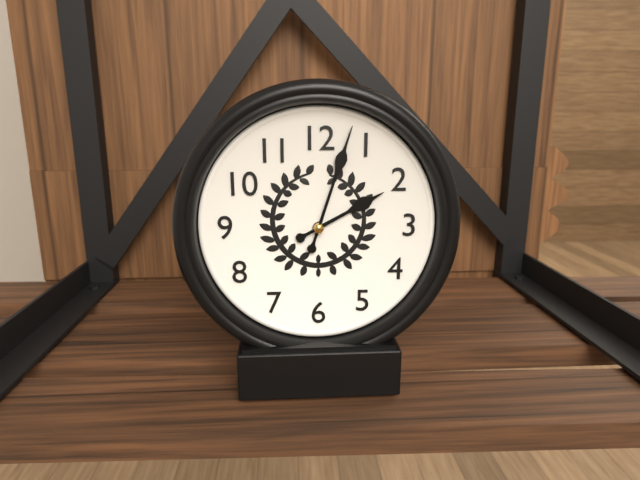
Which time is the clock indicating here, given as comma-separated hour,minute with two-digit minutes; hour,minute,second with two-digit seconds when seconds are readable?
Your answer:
2,03
